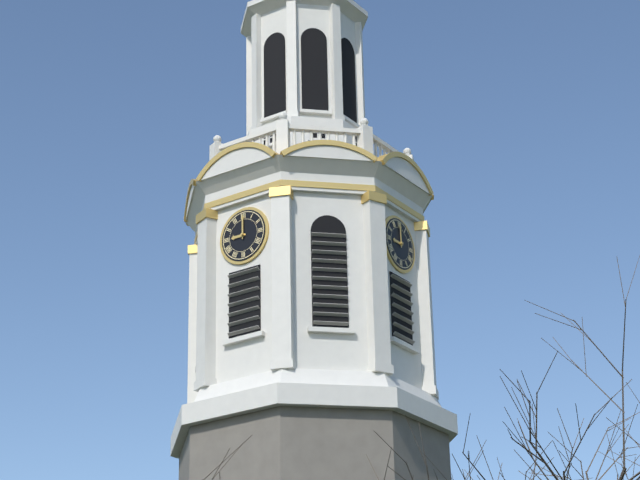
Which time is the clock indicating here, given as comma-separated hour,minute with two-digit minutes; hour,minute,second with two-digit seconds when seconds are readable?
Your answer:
9,00
